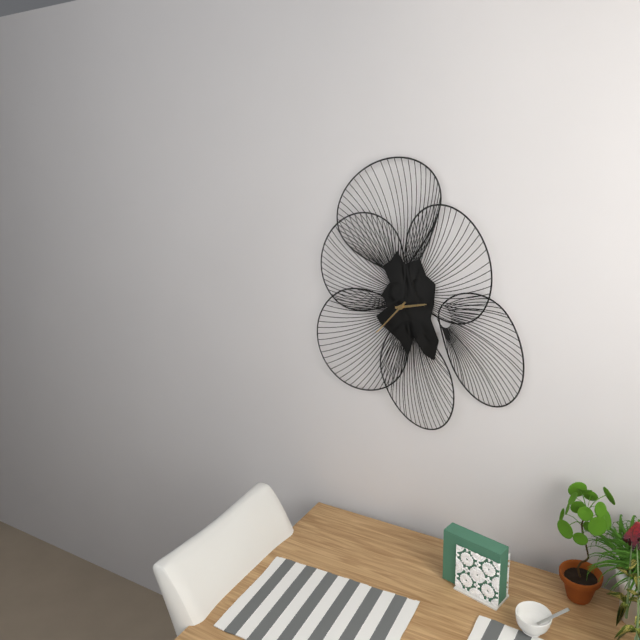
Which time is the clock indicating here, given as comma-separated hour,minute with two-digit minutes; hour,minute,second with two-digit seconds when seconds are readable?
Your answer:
2,37
